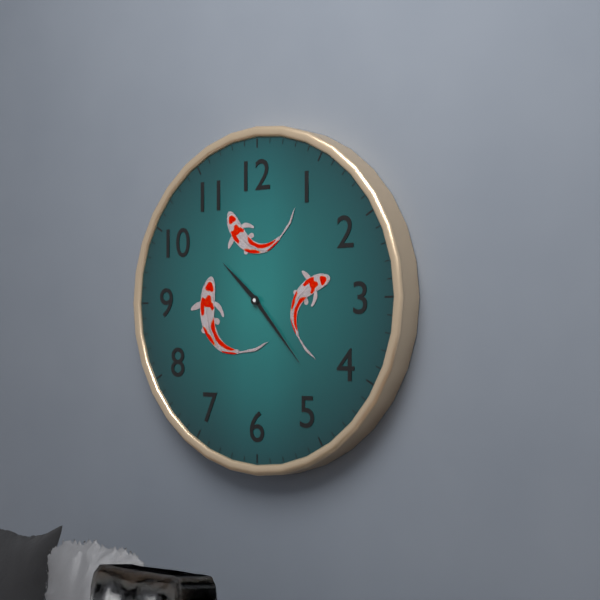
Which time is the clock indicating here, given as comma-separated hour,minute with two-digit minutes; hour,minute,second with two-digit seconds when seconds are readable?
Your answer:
10,23
